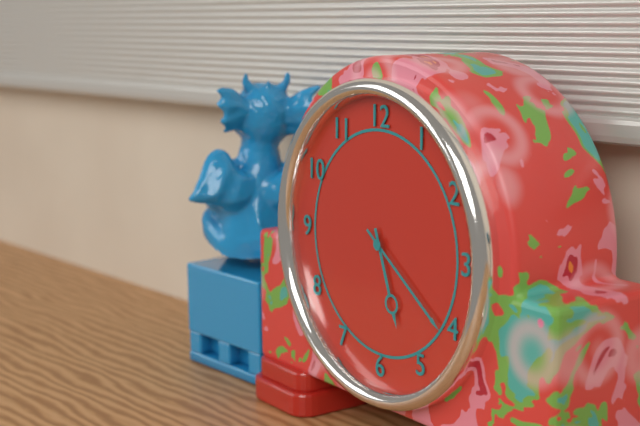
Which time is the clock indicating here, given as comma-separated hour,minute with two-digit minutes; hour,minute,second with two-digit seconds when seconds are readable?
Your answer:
5,21
